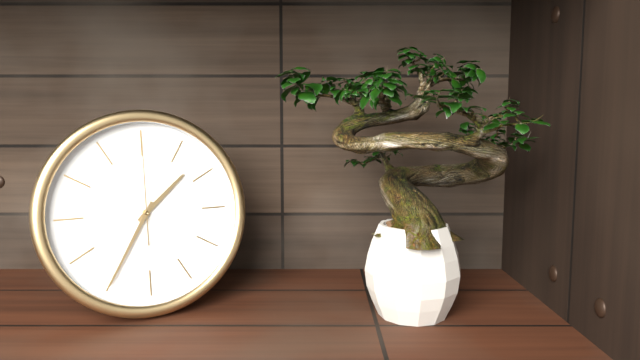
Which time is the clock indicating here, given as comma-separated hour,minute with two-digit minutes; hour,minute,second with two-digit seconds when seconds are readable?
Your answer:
1,35,00
